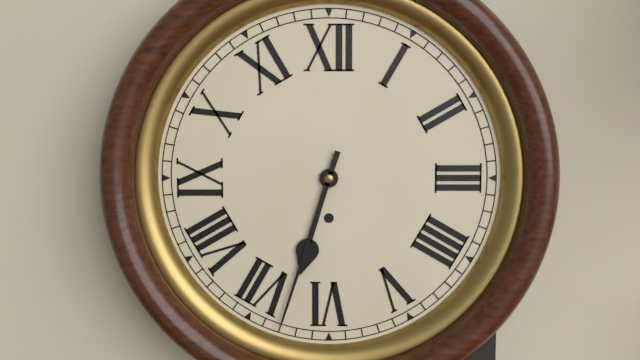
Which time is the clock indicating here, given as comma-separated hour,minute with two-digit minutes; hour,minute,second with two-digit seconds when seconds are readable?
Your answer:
6,33
